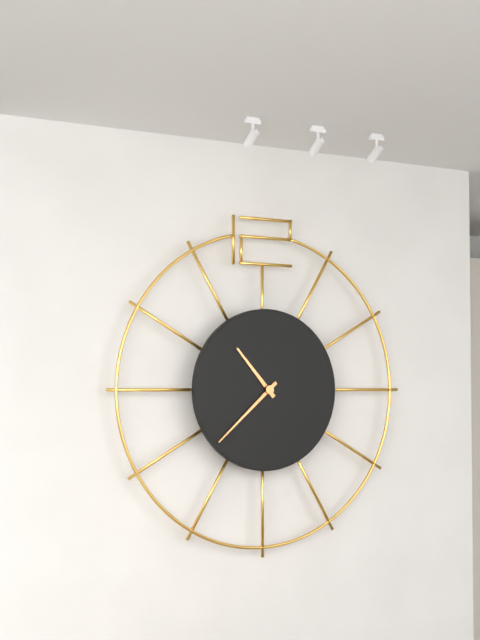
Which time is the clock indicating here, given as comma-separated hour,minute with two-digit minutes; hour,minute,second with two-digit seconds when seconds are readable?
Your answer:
10,38
